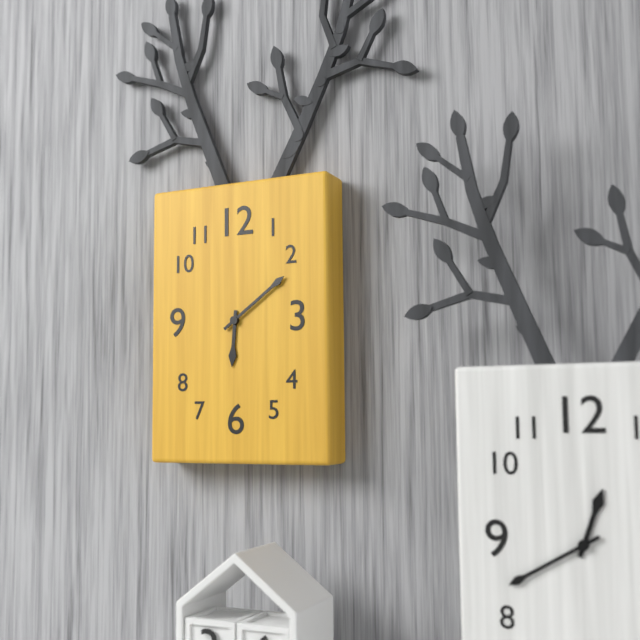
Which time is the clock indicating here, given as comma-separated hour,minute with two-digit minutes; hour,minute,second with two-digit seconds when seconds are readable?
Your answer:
6,09
